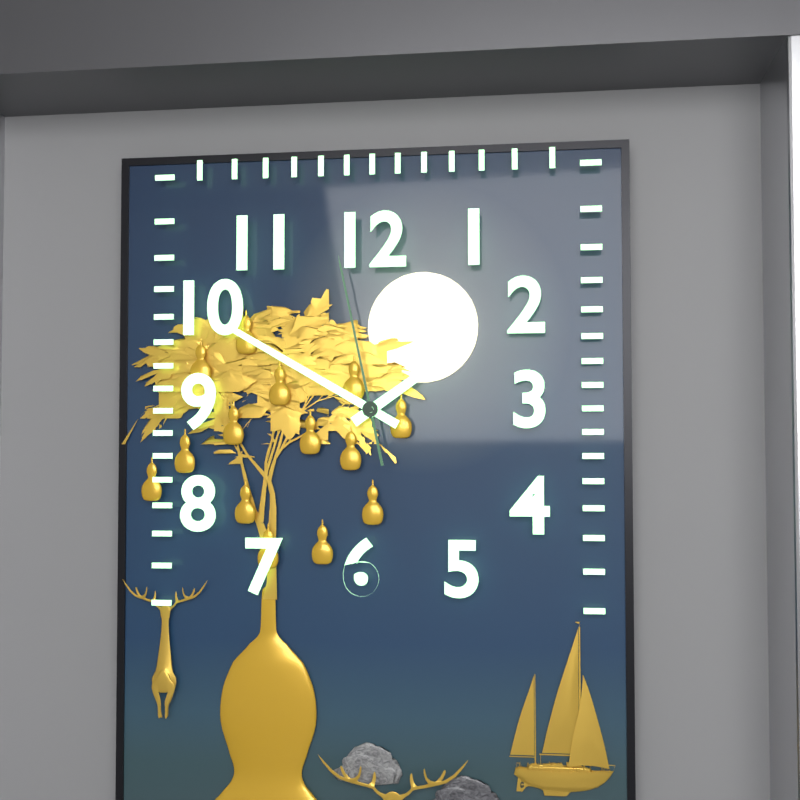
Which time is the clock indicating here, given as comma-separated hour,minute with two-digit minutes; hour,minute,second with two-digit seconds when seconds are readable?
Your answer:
1,50,58
